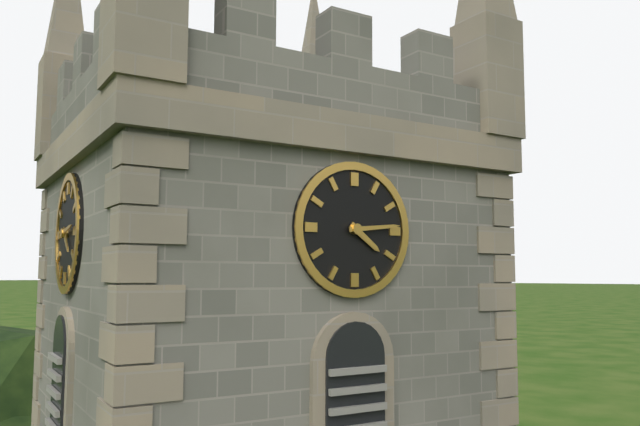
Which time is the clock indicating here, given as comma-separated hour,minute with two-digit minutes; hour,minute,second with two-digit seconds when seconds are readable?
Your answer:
4,14
